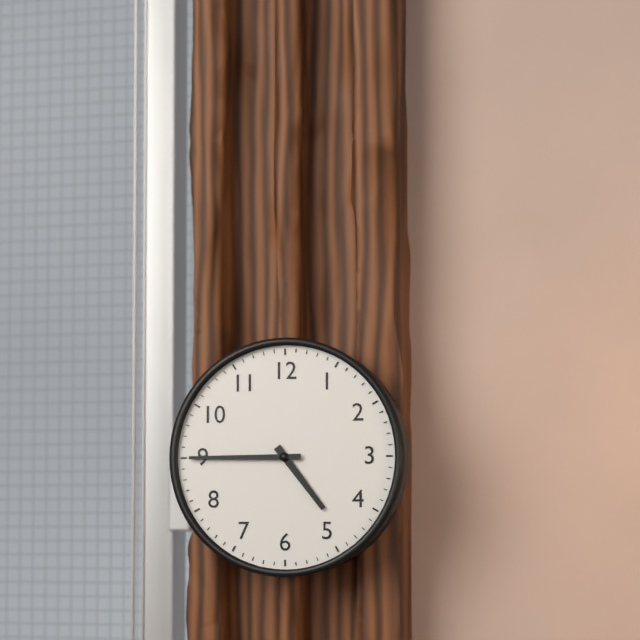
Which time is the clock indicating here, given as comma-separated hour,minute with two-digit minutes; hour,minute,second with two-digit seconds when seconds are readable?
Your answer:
4,45
